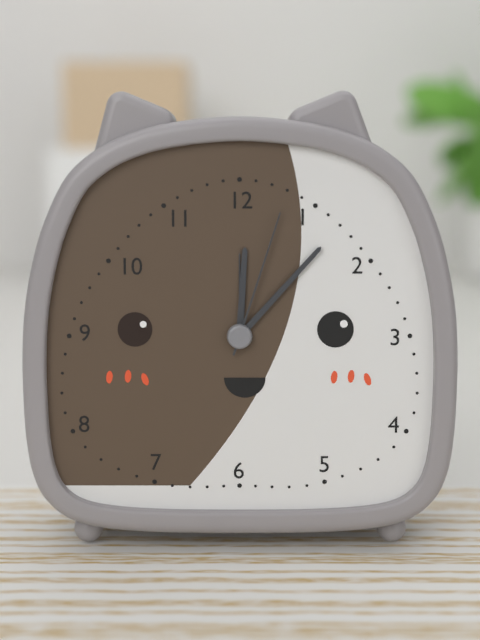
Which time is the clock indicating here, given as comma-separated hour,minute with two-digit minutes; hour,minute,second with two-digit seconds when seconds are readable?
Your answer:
12,07,03
